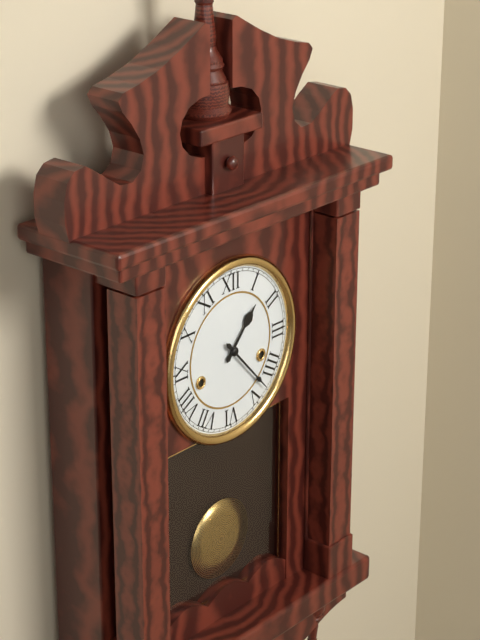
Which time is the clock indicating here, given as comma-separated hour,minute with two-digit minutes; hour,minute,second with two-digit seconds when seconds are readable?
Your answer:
1,23
